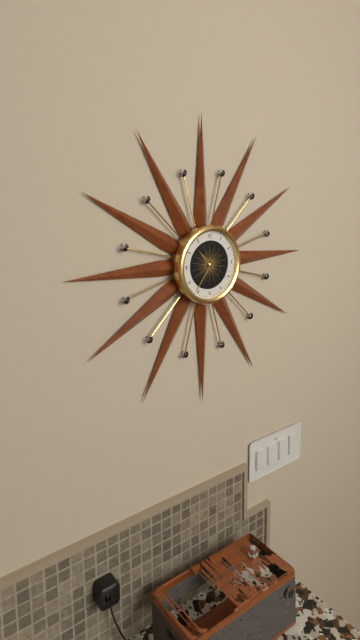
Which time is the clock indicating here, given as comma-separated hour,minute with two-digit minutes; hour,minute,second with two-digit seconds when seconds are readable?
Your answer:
10,36
